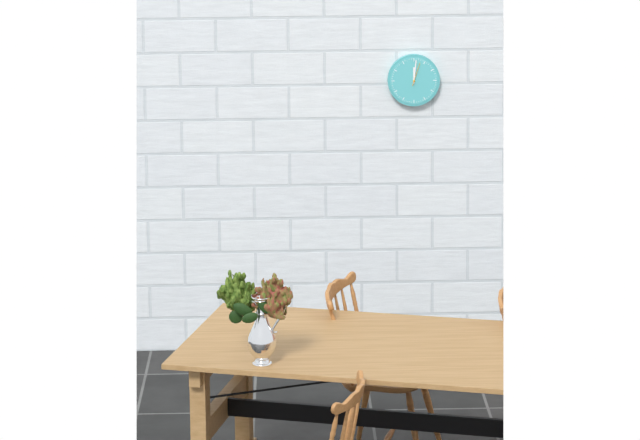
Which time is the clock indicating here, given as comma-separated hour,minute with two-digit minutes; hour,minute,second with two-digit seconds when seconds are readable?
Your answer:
12,01
